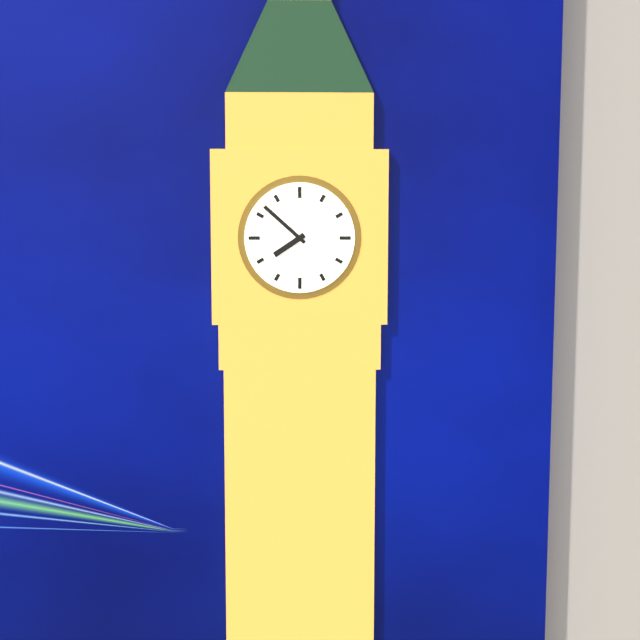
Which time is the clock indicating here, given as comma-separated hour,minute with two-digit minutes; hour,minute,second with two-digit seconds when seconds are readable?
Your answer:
7,52
